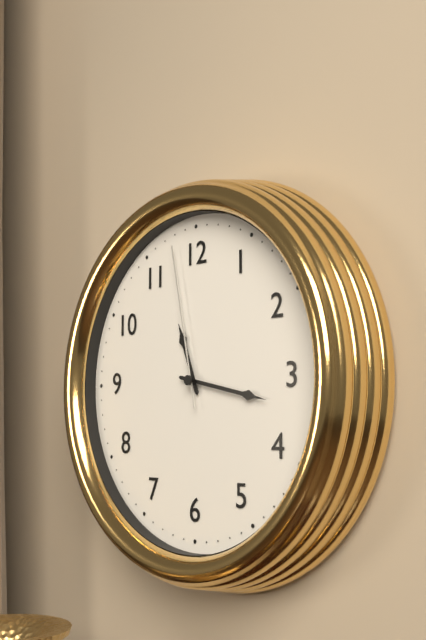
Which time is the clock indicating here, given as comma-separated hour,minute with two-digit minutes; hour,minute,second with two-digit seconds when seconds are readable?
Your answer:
11,17,58
